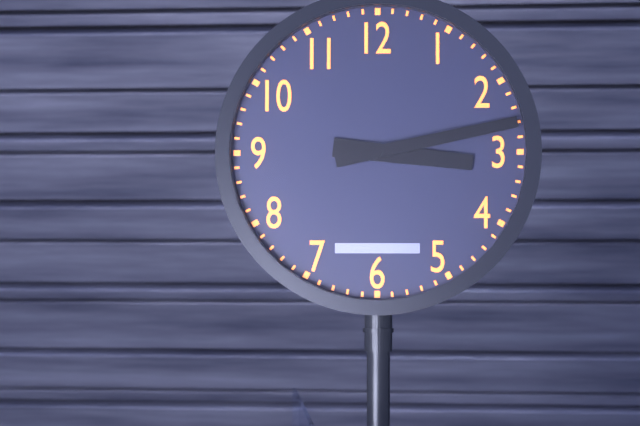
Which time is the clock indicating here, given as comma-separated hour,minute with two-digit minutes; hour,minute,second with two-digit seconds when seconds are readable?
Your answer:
3,13
